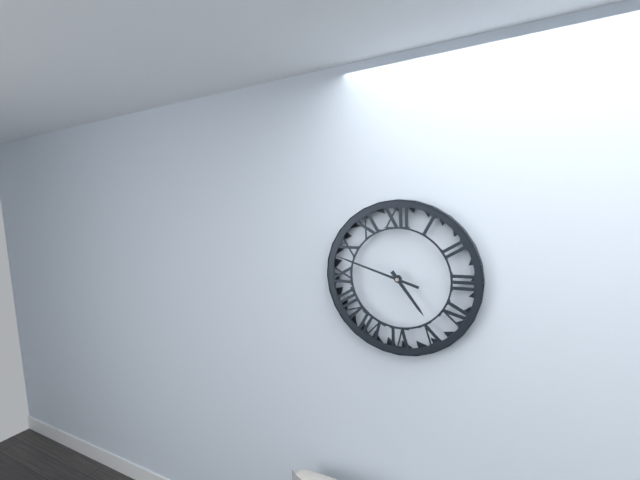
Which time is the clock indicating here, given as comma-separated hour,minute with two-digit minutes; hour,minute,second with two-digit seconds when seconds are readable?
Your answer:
4,48
